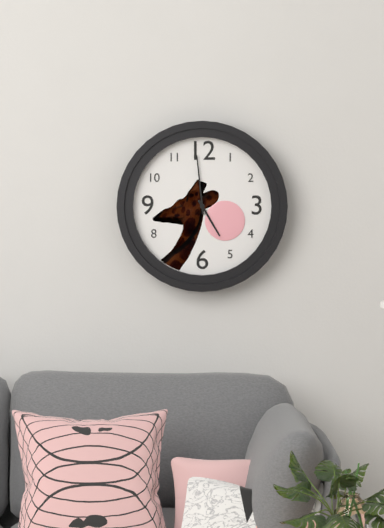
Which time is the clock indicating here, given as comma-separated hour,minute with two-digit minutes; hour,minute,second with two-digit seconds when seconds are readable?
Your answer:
4,59
